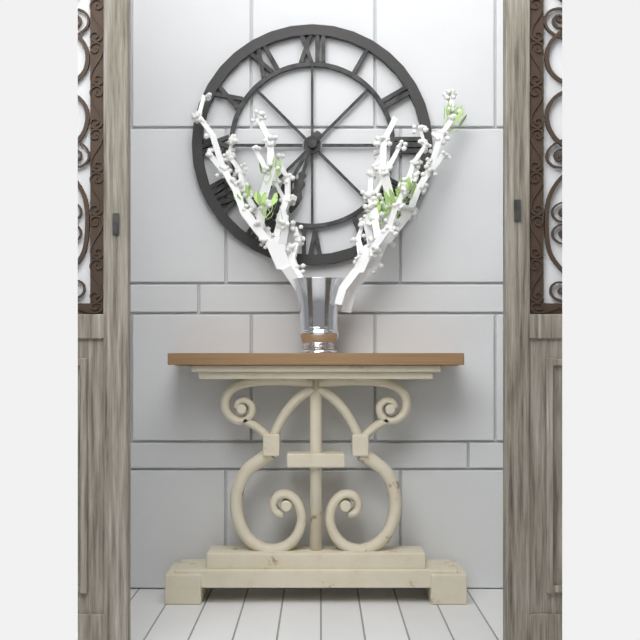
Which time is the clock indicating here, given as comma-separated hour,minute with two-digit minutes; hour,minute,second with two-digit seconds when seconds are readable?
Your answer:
6,35
